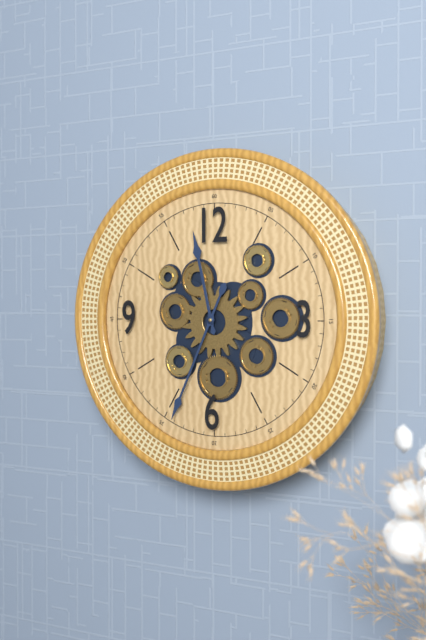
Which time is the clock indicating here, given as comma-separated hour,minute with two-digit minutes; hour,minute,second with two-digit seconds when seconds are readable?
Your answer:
11,34
